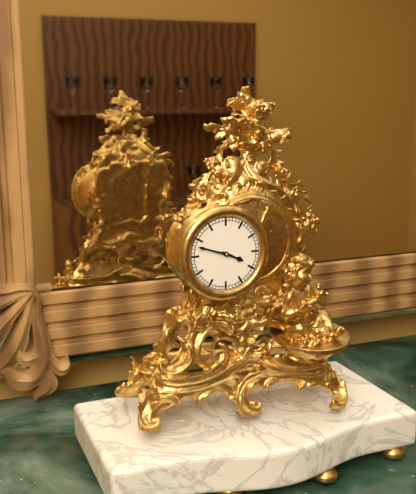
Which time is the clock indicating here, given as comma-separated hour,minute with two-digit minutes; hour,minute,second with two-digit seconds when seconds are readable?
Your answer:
3,48
